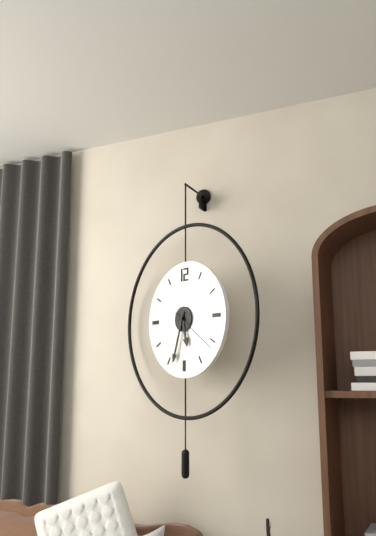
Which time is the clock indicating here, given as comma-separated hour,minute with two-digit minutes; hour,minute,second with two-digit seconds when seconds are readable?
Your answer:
5,33
